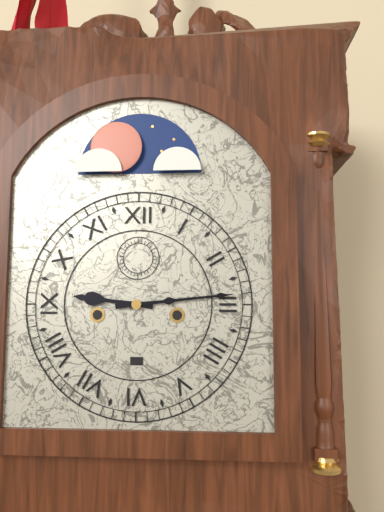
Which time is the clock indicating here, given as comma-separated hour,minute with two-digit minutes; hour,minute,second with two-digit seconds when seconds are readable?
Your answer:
9,14
